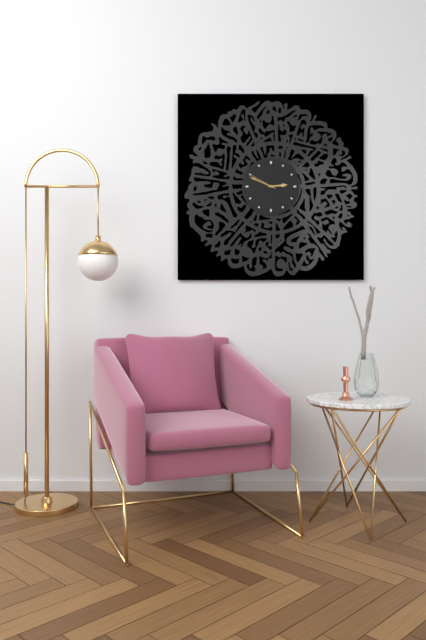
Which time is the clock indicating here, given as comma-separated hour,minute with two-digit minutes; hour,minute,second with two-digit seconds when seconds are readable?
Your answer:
2,49
